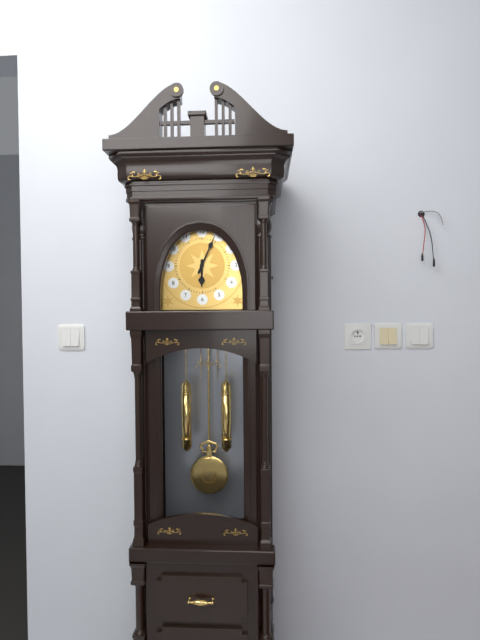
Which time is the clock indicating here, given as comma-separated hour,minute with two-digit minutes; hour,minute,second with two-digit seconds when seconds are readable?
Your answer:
6,04
